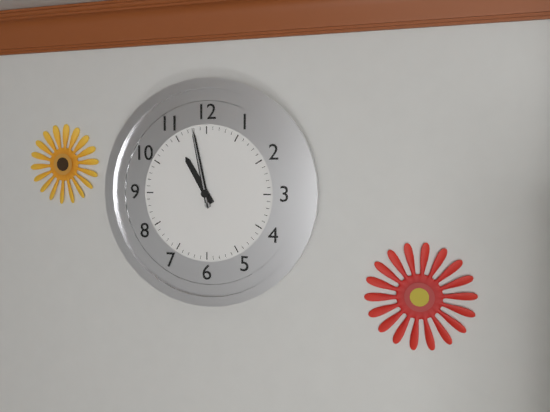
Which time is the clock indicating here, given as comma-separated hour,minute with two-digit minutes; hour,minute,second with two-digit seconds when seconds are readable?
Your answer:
10,58,58
